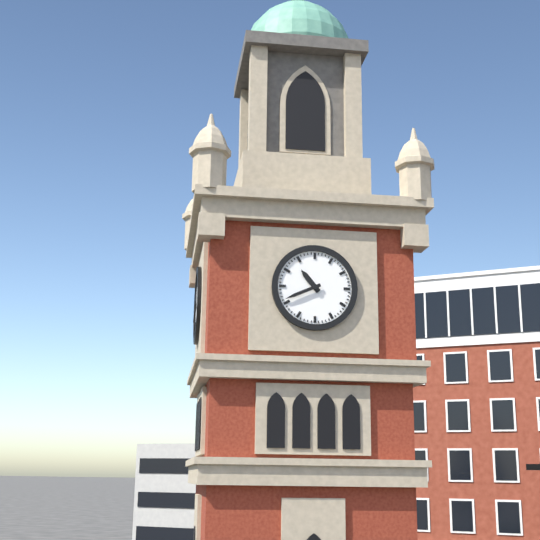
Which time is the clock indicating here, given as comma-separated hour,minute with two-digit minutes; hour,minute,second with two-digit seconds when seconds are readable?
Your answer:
10,41
